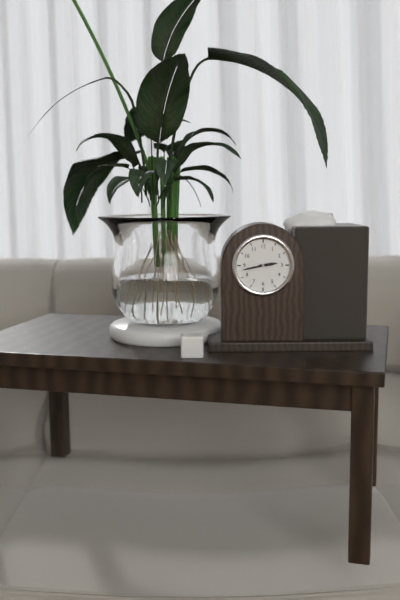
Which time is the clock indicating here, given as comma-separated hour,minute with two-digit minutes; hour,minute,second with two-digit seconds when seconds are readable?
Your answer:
2,43
